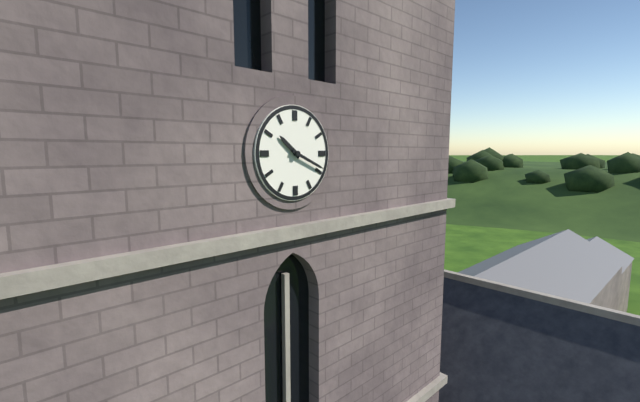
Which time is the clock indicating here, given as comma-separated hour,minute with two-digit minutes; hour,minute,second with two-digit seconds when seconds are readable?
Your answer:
10,19
